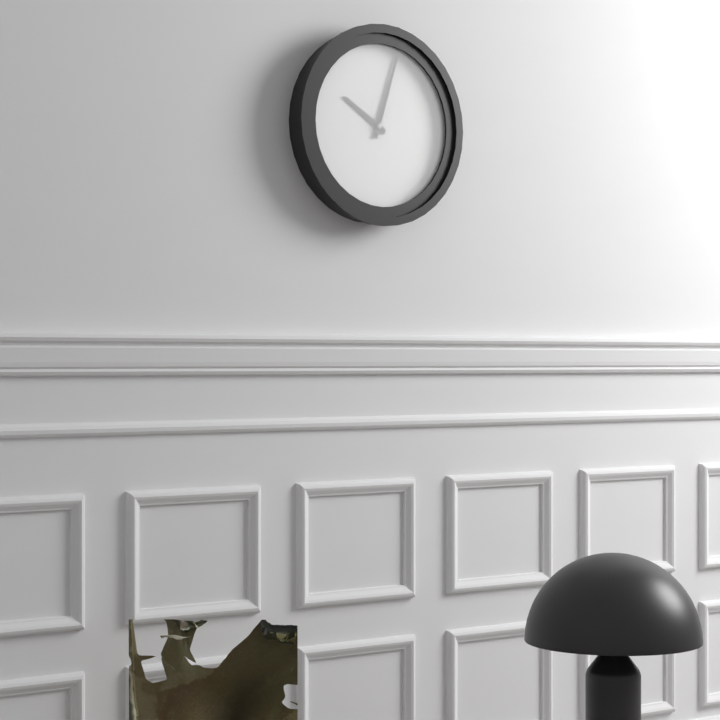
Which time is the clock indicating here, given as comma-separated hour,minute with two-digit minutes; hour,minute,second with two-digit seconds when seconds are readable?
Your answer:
10,03
